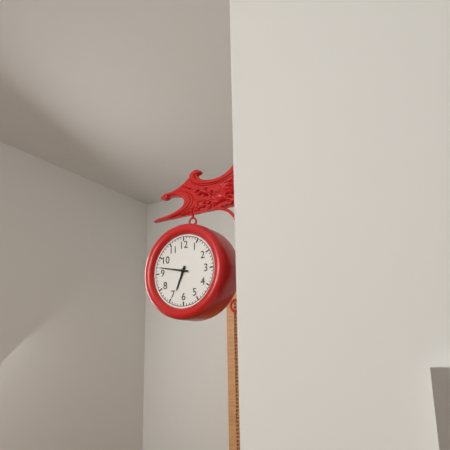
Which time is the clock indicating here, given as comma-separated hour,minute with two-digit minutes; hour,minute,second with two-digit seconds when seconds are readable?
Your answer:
6,47
